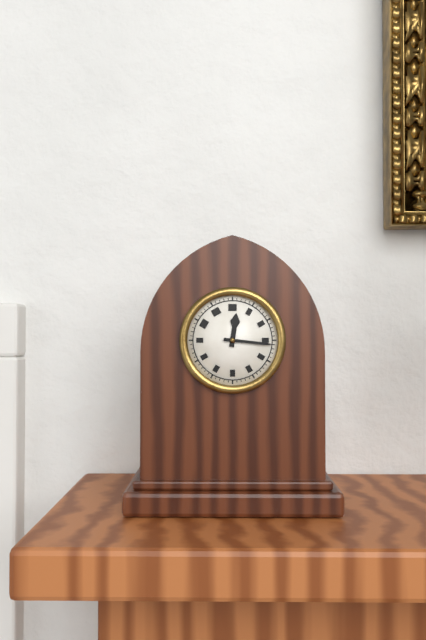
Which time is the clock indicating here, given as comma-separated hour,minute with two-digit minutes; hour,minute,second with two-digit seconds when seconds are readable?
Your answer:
12,16
